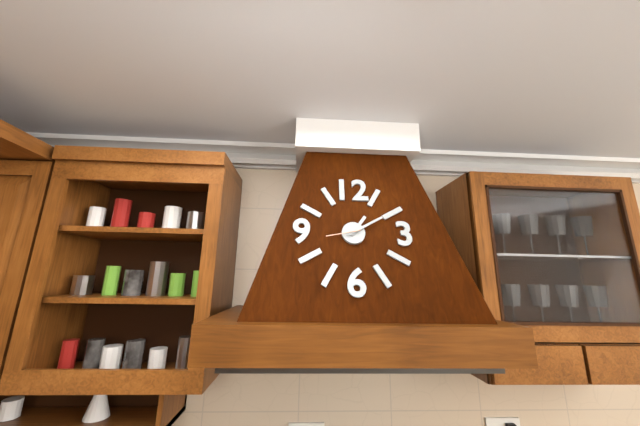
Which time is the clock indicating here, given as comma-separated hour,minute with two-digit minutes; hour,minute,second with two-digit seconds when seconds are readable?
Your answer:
1,10
